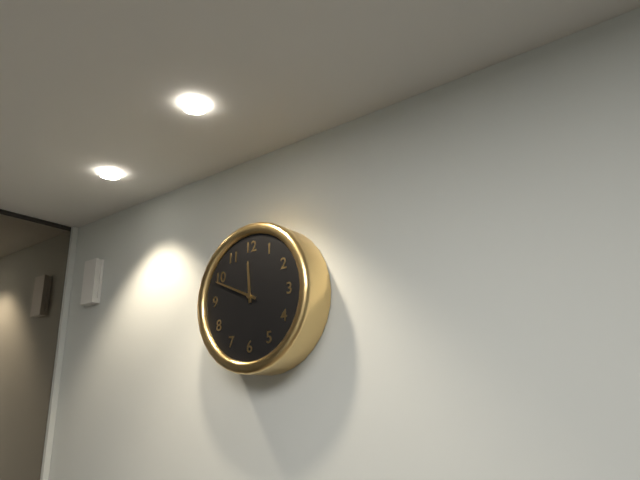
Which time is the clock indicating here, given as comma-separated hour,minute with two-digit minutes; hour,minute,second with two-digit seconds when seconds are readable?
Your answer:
11,49
